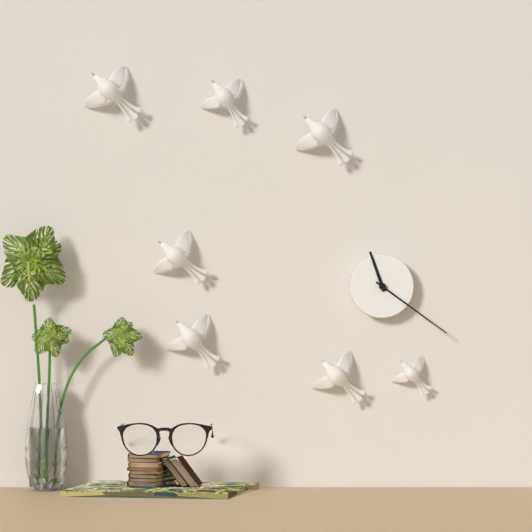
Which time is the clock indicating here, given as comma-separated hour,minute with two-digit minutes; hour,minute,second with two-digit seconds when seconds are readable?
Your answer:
11,21
